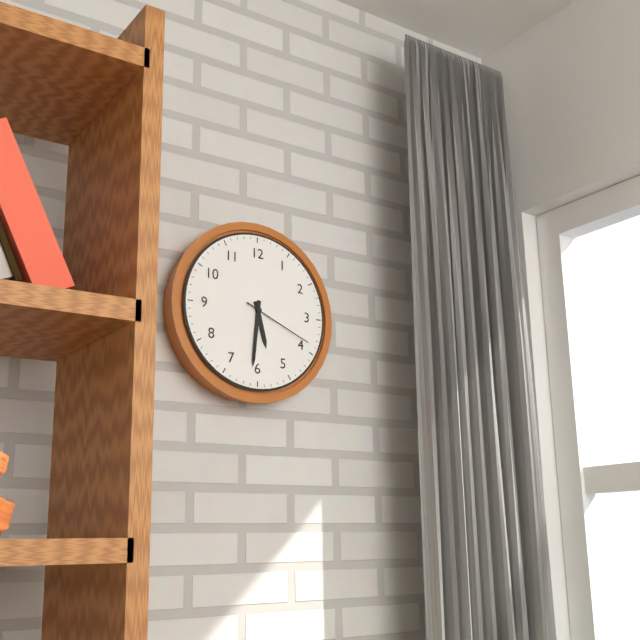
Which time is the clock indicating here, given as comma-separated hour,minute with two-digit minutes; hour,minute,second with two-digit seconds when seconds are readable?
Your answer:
5,31,19
